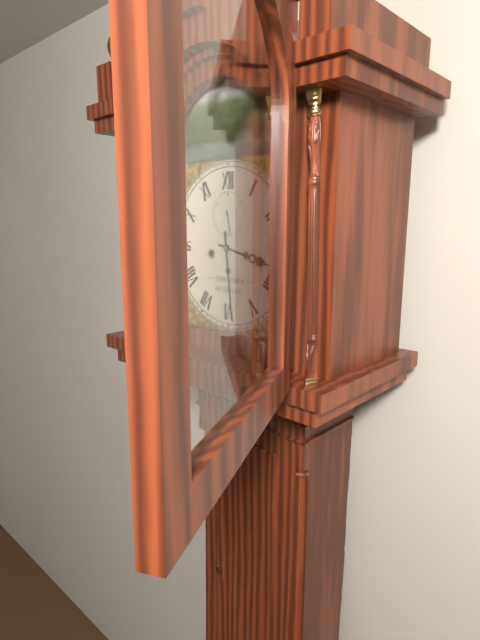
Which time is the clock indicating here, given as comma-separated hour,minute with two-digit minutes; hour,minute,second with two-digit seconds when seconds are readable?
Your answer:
3,29
